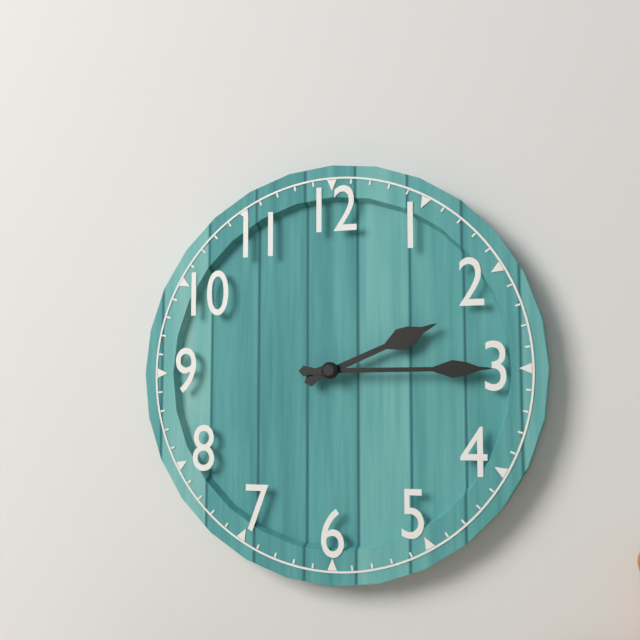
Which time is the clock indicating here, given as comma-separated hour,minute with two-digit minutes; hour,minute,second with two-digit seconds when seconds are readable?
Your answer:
2,15
